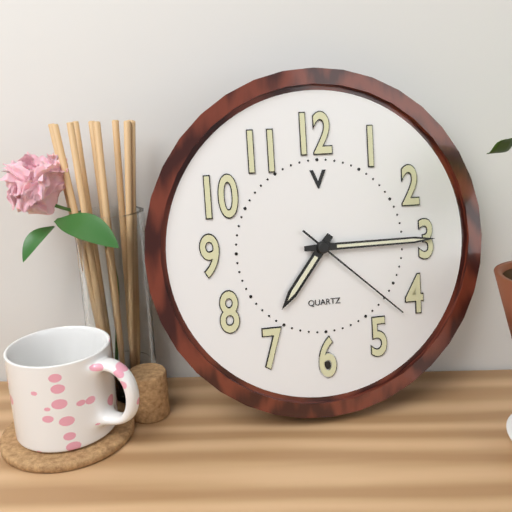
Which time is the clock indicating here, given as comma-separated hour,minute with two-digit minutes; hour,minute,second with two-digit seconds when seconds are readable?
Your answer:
7,15,22
